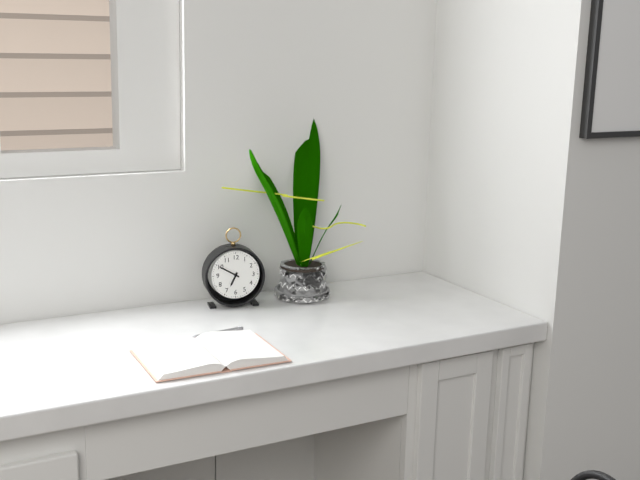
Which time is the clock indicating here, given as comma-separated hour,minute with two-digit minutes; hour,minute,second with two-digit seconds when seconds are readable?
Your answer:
6,50
